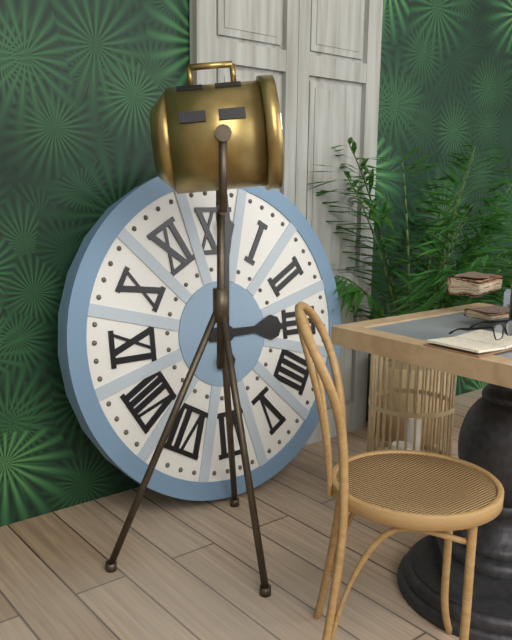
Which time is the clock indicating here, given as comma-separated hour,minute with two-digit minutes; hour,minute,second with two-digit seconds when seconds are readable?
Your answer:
3,01
